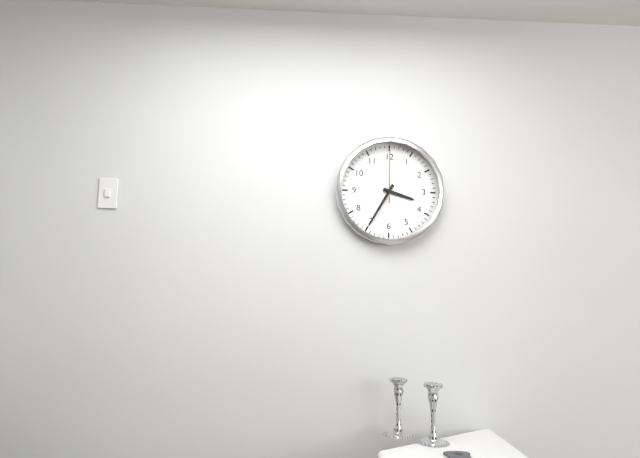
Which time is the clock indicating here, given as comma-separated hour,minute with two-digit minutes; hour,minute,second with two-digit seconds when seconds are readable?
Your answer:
3,35,00
